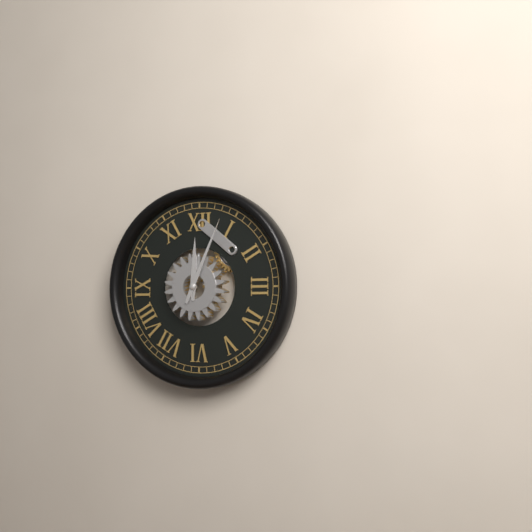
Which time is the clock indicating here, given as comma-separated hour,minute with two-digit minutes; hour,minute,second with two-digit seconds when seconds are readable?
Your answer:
12,04
